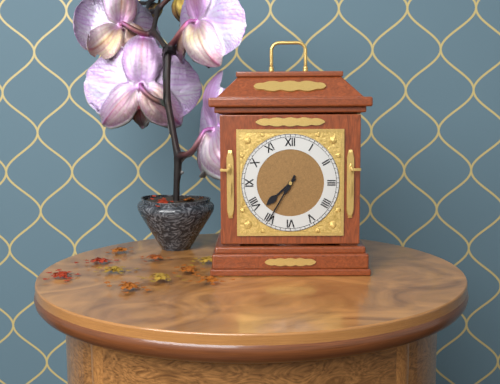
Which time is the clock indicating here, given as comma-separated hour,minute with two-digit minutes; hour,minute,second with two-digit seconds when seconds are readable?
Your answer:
7,35
